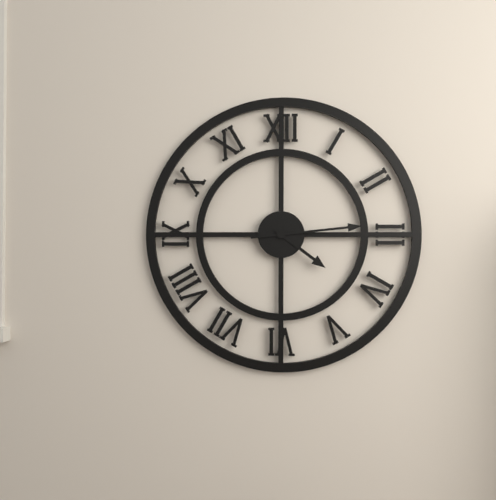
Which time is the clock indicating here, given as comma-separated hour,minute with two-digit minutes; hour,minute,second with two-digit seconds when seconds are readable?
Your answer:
4,14
